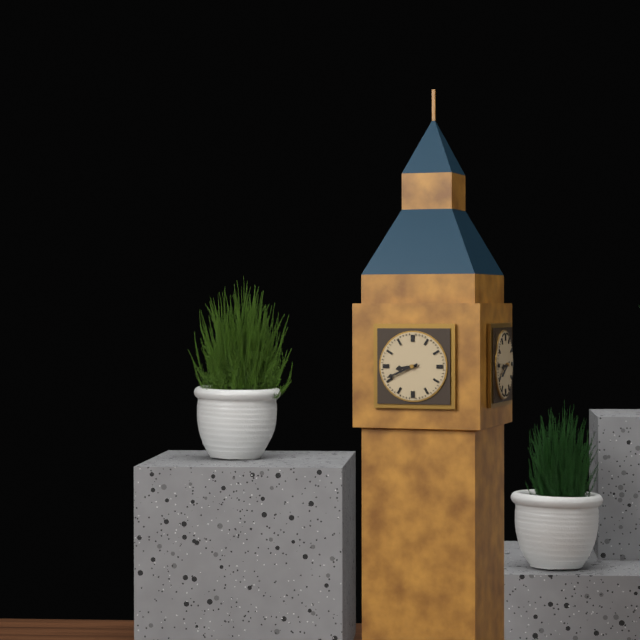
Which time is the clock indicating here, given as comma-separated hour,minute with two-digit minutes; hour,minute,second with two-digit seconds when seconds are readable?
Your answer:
8,41
